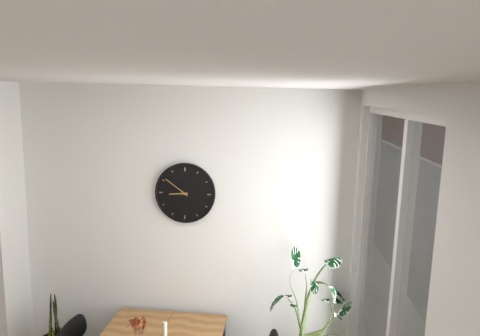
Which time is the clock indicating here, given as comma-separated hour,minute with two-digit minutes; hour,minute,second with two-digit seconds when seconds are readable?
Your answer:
8,51
